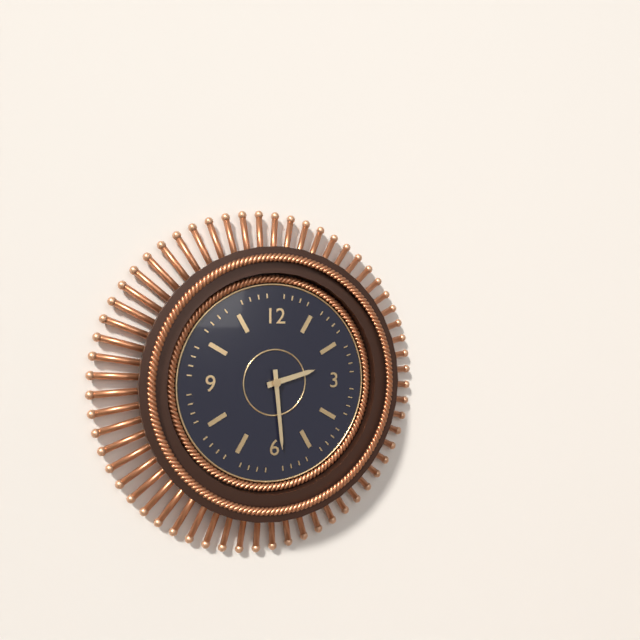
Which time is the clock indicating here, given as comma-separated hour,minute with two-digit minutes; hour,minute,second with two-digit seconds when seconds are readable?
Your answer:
2,29
